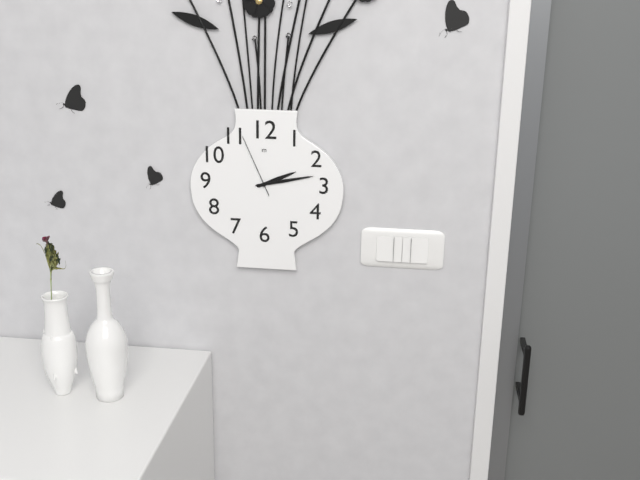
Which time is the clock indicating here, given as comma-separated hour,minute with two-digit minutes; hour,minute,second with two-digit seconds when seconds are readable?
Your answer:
2,13,56
